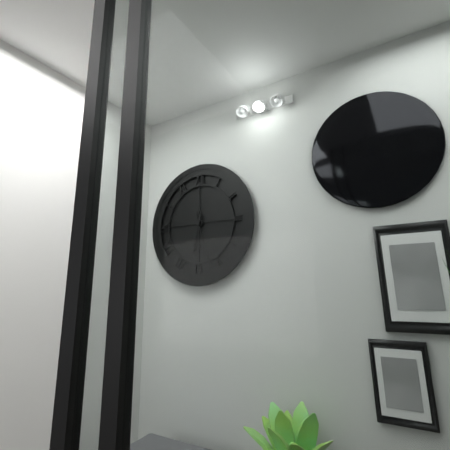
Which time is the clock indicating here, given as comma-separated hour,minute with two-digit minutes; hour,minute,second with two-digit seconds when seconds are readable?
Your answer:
6,27
